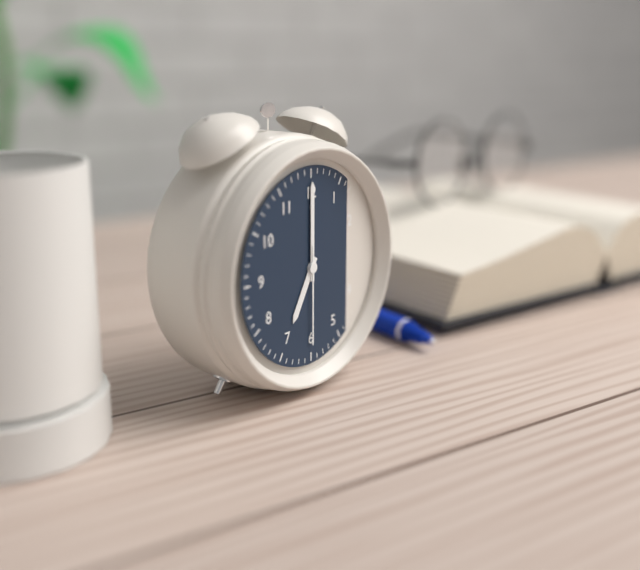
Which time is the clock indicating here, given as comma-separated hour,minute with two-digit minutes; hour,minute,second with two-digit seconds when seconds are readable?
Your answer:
7,00,30
